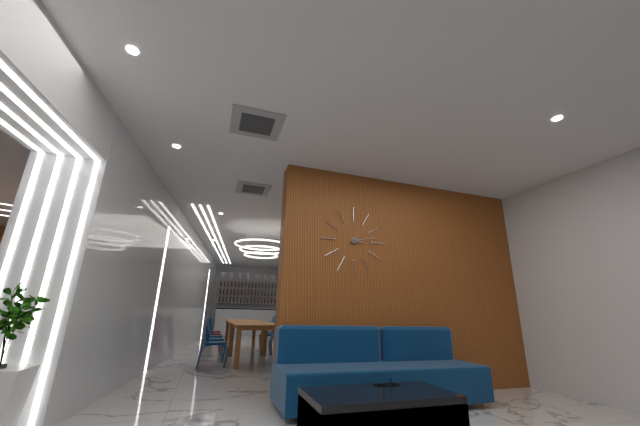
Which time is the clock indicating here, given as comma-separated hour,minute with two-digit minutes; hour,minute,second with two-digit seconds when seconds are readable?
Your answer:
3,13
